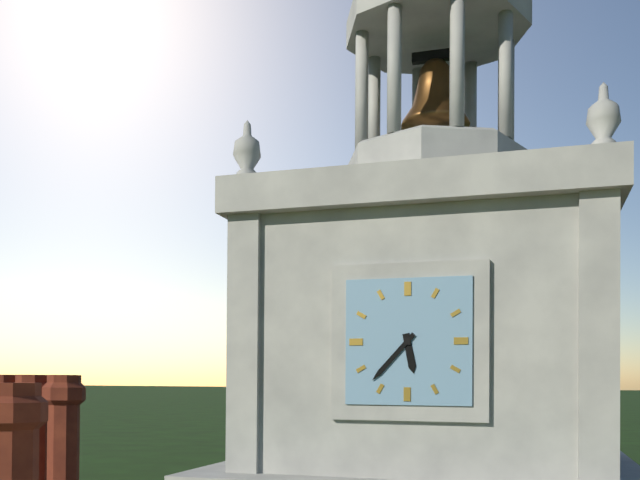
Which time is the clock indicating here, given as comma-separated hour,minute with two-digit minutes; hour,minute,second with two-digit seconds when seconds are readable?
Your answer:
5,37
